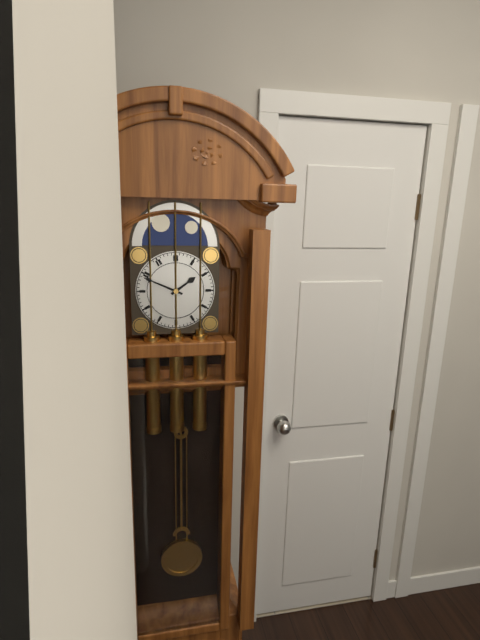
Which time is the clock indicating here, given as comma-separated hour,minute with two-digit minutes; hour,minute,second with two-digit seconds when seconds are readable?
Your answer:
1,49
